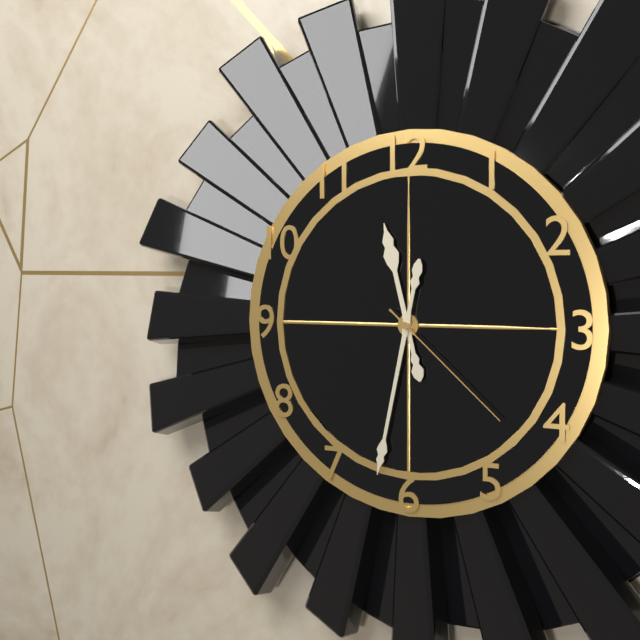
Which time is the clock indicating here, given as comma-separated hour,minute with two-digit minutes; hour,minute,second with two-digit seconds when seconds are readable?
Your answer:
11,32,22
